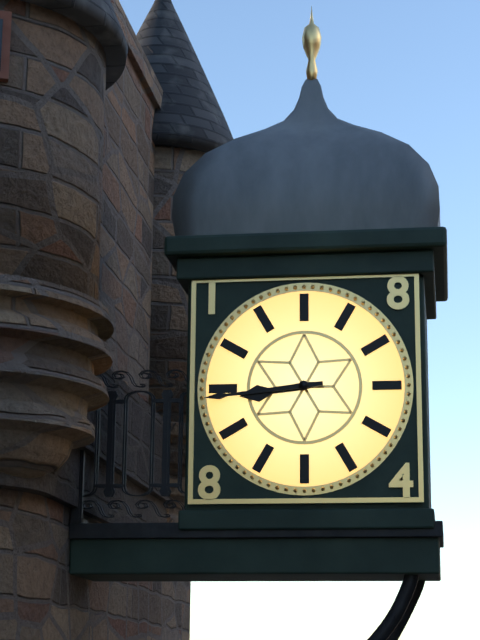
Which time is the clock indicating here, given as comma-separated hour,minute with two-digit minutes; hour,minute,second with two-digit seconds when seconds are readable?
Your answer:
8,44
